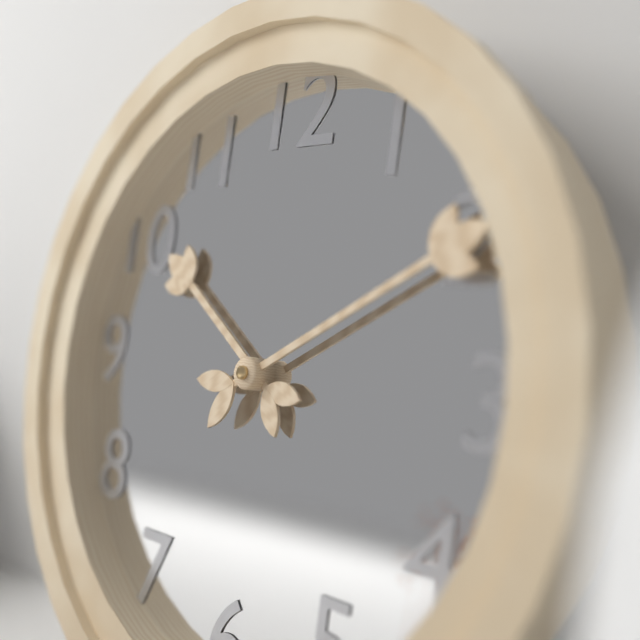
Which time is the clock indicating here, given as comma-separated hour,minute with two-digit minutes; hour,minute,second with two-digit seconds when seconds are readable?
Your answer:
10,10
